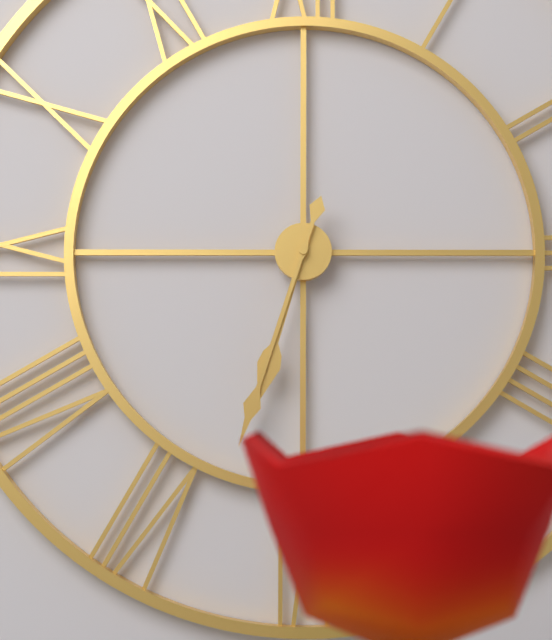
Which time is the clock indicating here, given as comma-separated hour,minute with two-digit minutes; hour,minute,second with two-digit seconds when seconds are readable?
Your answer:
6,33
